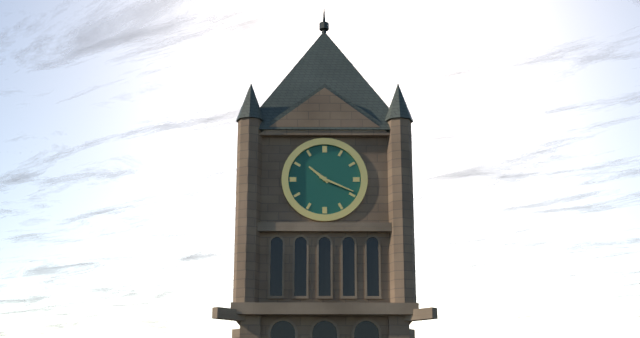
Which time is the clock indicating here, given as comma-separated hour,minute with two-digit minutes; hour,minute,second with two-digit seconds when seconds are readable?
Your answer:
10,19
